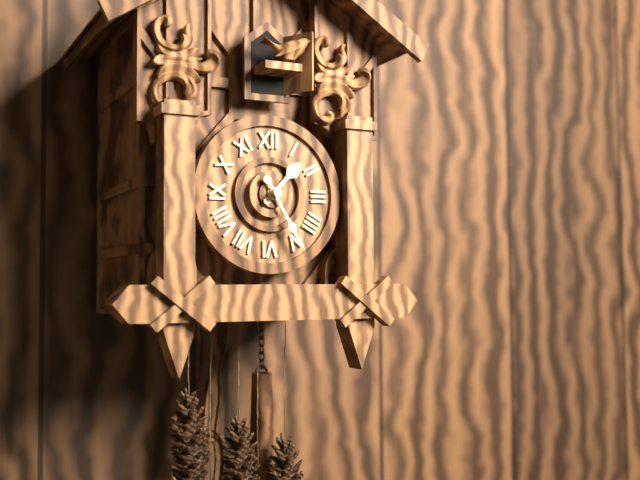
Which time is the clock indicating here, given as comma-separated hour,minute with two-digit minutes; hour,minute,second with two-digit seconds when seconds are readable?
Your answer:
1,25
